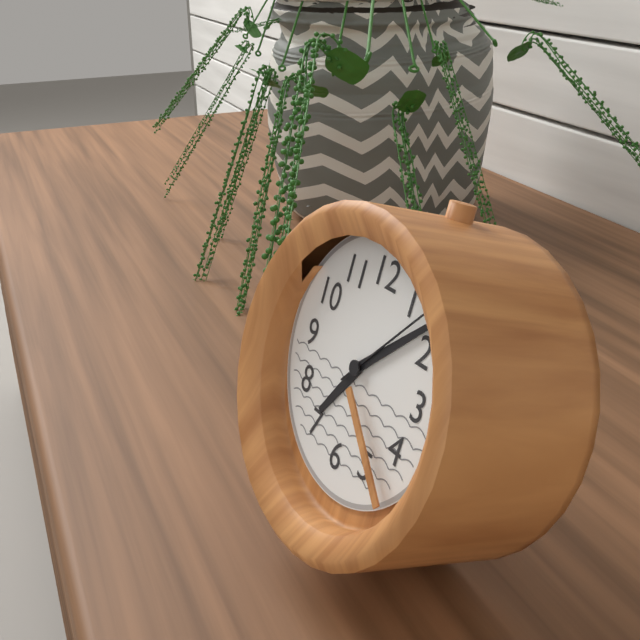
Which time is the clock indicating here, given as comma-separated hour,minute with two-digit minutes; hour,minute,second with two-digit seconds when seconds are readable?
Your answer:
7,08,07
